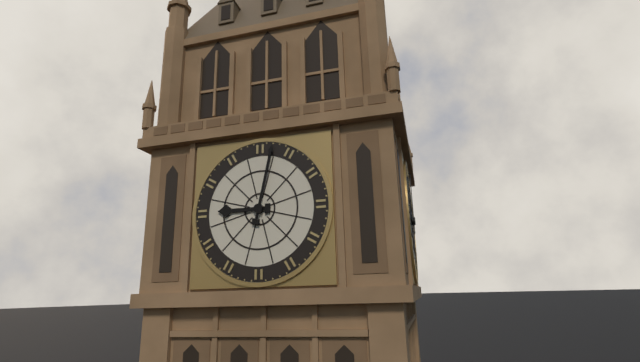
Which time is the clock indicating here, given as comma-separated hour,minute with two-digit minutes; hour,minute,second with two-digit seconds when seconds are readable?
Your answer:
9,02
